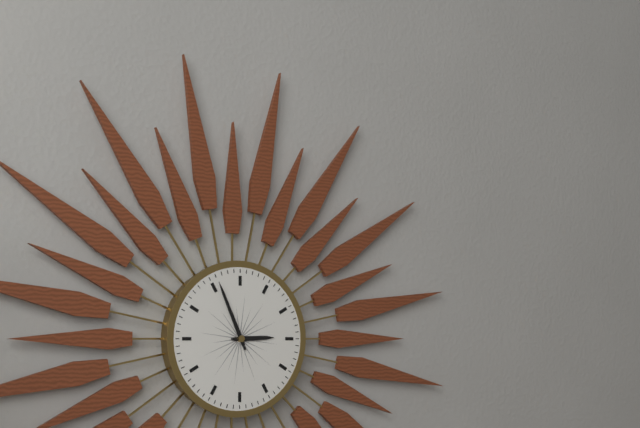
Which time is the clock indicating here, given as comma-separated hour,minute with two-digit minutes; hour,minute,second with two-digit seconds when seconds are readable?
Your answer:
2,56
